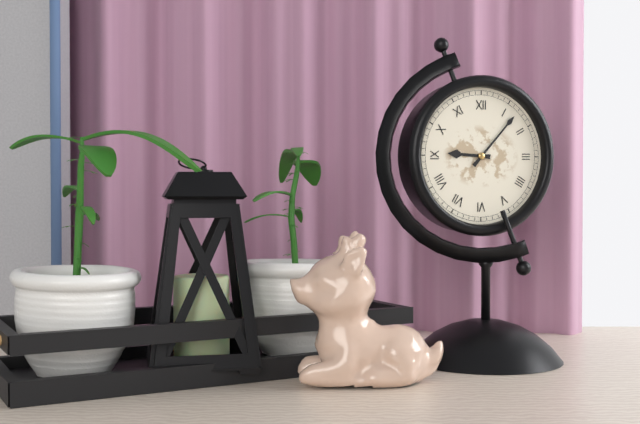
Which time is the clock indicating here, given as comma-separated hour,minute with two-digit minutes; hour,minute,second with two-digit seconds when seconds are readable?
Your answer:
9,07
